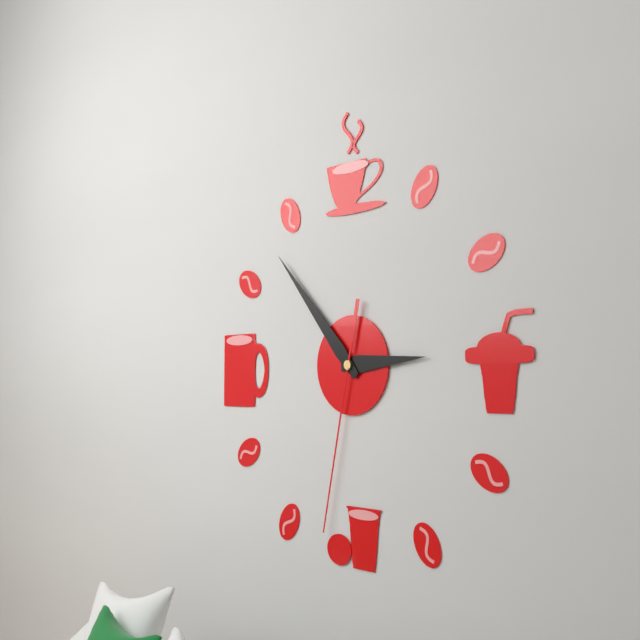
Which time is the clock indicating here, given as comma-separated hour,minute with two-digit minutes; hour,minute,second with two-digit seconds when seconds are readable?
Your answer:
2,53,32
